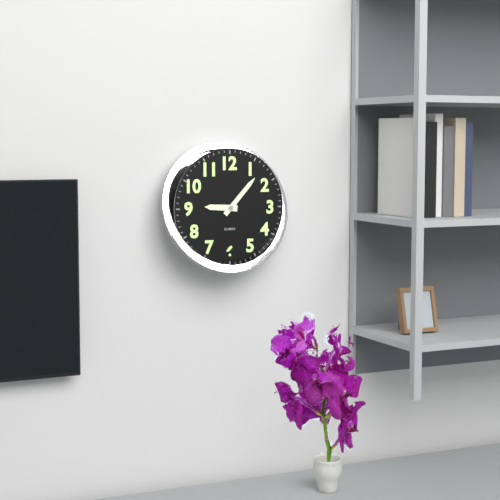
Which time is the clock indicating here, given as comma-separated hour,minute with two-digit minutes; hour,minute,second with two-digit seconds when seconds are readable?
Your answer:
9,07
